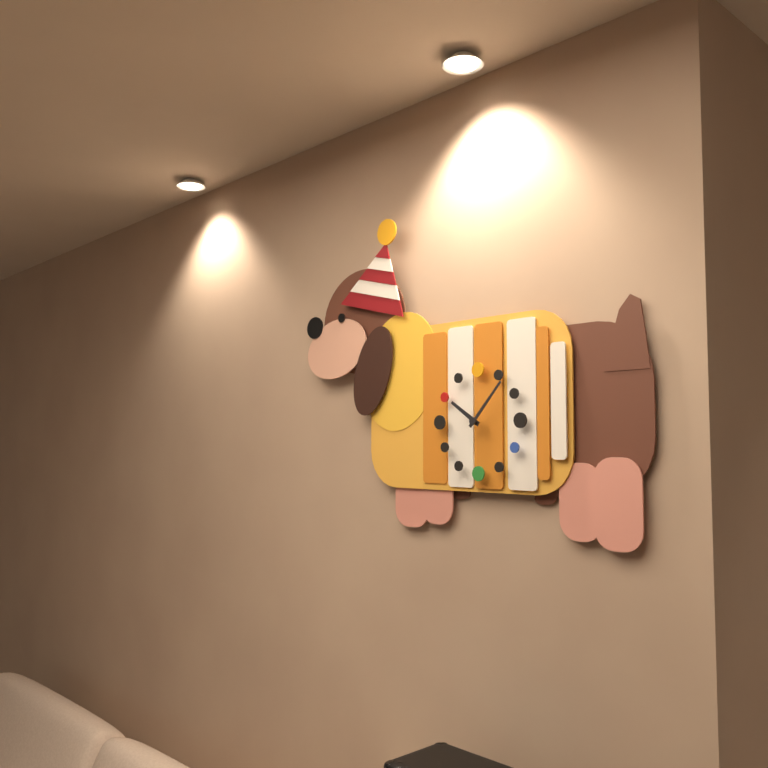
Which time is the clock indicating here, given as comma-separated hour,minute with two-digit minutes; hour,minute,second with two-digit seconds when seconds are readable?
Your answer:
10,07
